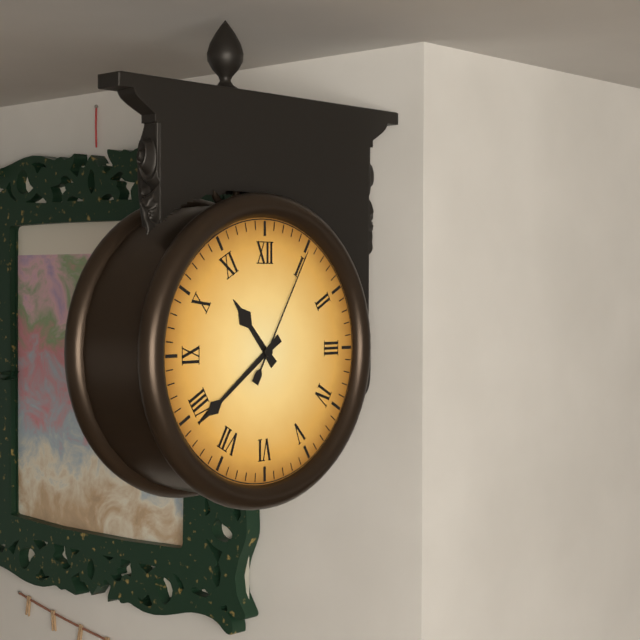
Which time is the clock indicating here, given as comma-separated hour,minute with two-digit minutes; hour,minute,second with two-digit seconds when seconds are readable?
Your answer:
10,39,05
